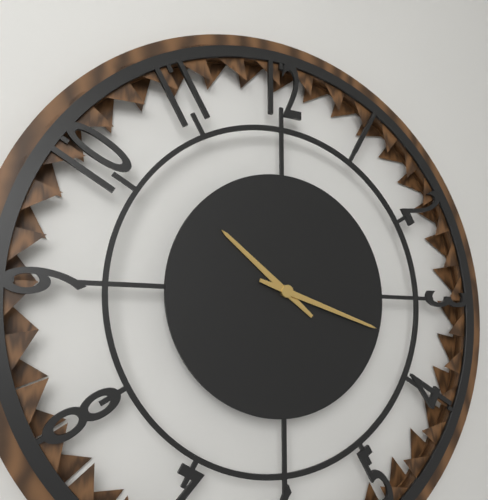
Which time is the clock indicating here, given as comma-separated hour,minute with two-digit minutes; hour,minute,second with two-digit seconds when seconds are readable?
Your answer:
10,18
